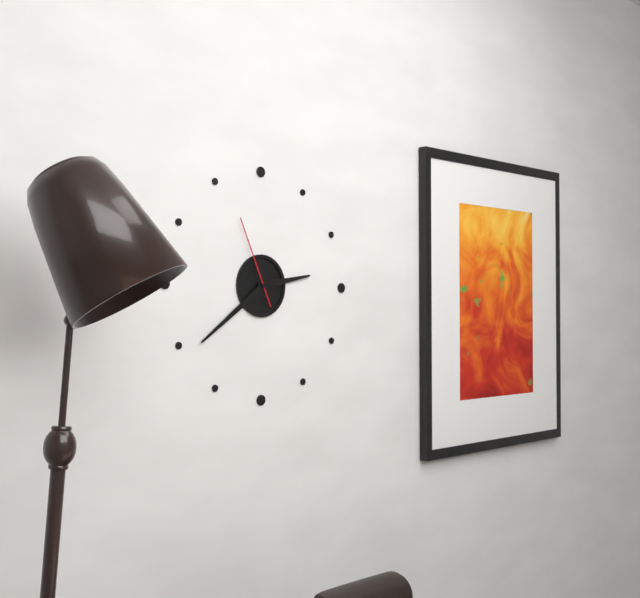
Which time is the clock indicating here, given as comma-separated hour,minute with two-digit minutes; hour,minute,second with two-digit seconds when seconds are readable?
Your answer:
2,39,56
